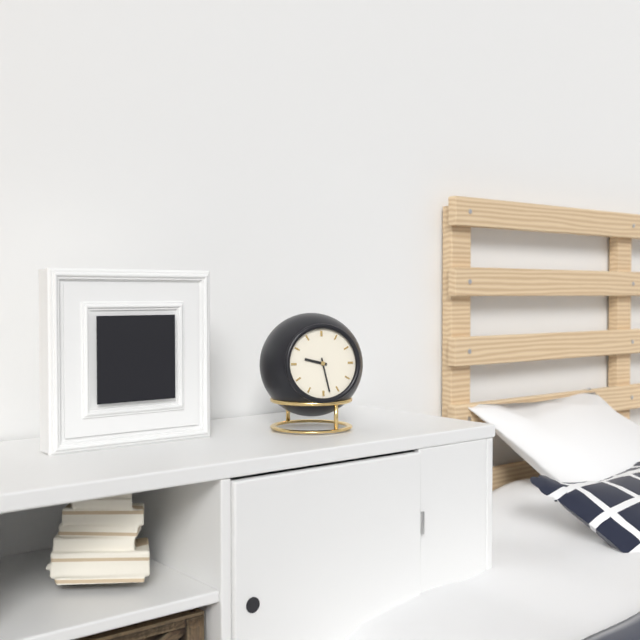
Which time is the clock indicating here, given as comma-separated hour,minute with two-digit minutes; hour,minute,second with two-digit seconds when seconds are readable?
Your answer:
9,28
